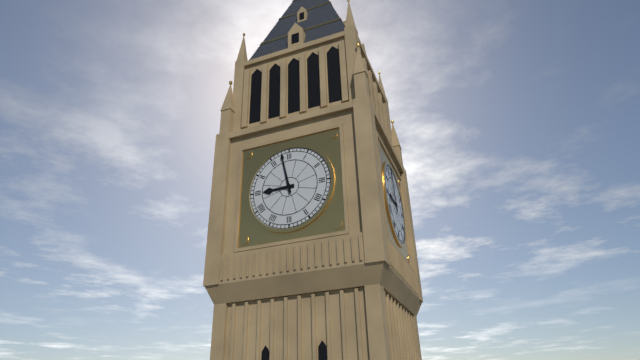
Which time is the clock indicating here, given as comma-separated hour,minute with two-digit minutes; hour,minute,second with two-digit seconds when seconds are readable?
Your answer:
8,58
